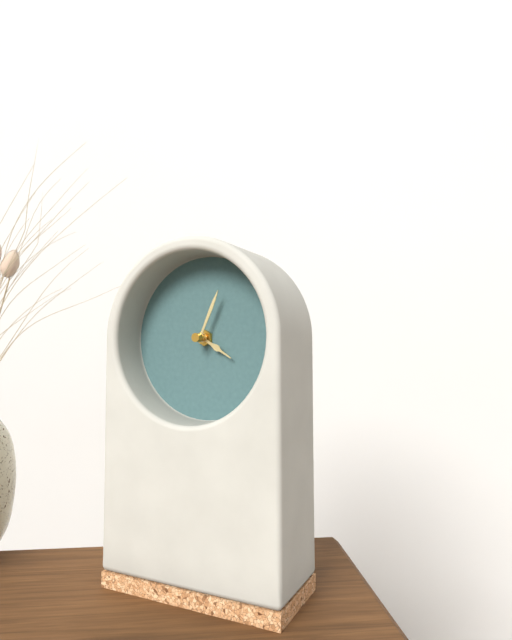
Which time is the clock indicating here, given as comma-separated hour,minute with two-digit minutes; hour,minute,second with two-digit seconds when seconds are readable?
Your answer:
4,04
